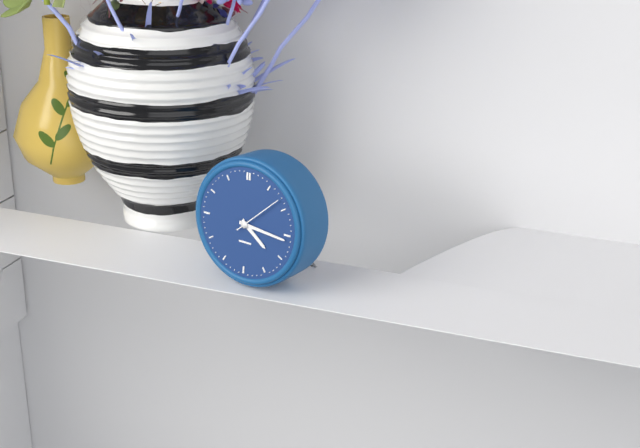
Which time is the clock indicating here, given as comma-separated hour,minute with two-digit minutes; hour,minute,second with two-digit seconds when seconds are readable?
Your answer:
4,16,08
